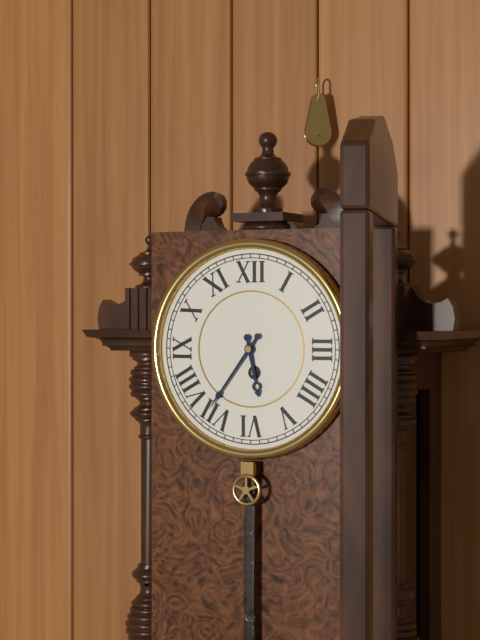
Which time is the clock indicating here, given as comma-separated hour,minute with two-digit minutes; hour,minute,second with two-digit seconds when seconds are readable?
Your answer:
5,36
